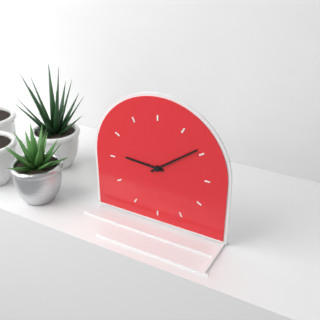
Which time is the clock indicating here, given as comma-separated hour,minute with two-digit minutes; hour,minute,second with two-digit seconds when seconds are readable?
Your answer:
9,09
